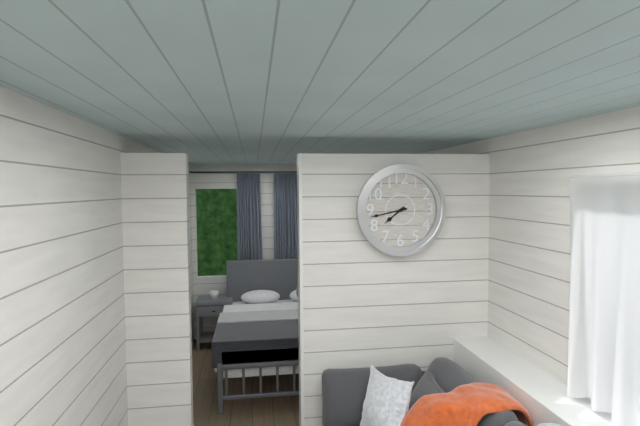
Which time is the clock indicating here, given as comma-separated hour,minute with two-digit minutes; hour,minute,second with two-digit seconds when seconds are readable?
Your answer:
7,43
